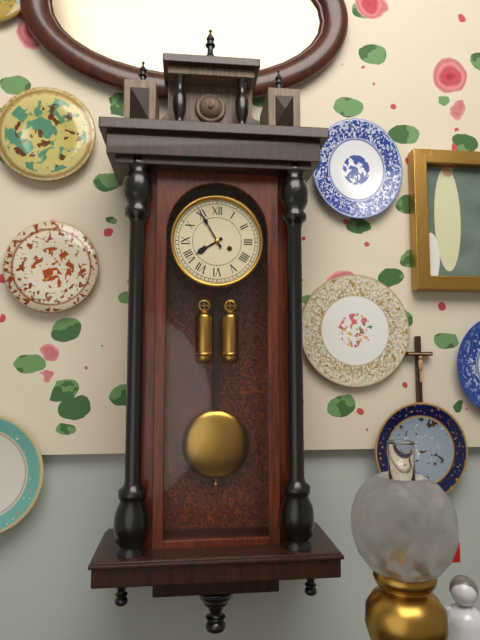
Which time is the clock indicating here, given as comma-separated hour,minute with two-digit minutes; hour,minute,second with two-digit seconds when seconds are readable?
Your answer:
7,55
